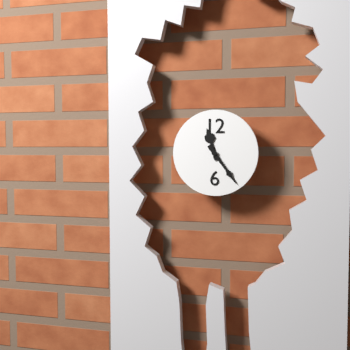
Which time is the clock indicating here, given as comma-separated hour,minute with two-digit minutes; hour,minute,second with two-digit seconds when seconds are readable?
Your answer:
11,24
